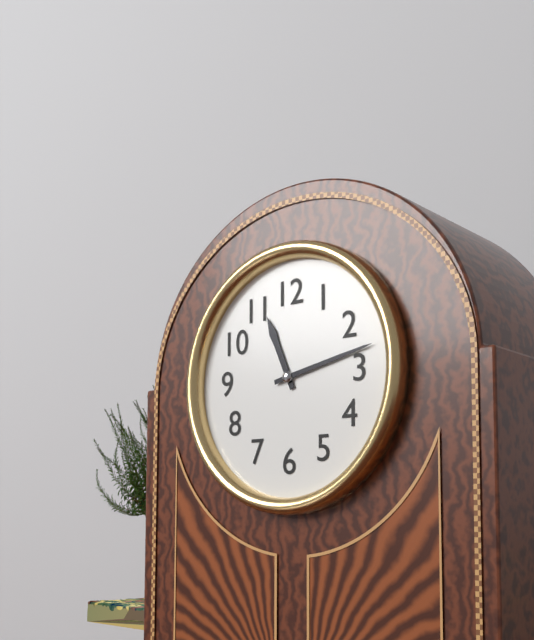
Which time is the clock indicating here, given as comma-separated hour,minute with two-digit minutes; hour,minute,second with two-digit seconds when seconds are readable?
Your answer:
11,13
